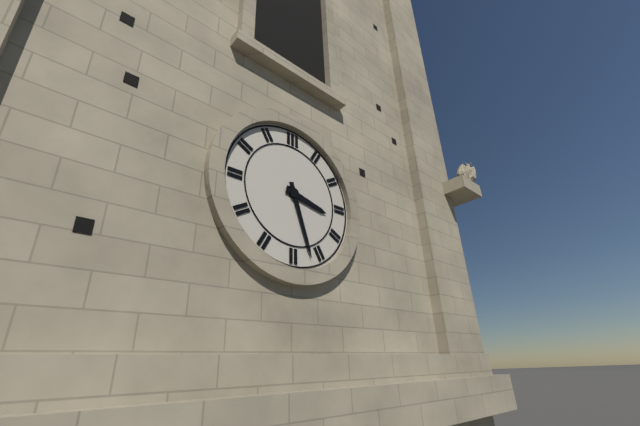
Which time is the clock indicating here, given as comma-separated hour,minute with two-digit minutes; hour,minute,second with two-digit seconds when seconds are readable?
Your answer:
3,27
